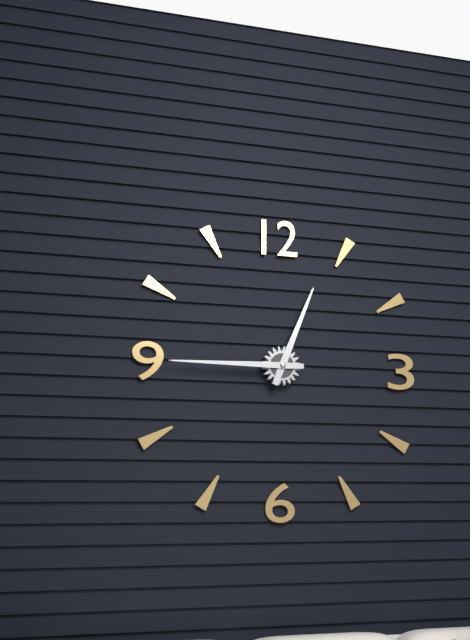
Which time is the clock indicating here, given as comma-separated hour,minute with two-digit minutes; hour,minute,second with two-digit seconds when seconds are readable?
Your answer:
12,45
